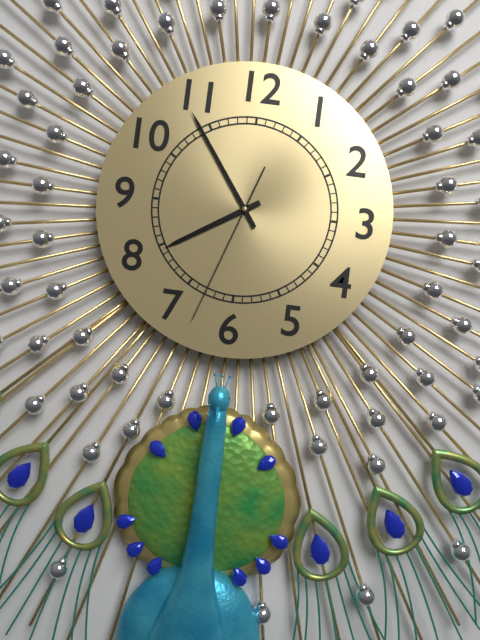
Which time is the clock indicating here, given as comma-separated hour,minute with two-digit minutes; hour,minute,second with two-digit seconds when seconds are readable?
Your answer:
7,54,33
